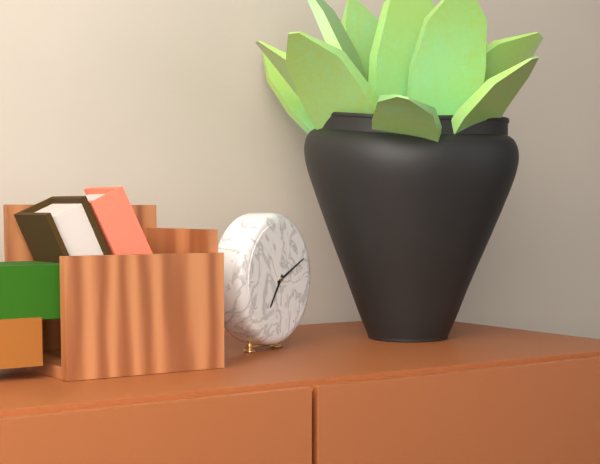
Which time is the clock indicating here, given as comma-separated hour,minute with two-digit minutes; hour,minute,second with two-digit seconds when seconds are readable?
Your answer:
7,11
